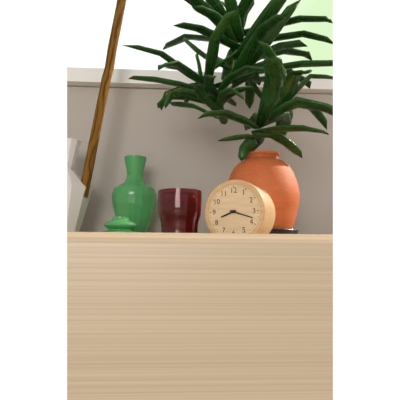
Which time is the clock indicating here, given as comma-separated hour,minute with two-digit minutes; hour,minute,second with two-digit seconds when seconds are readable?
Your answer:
8,18
